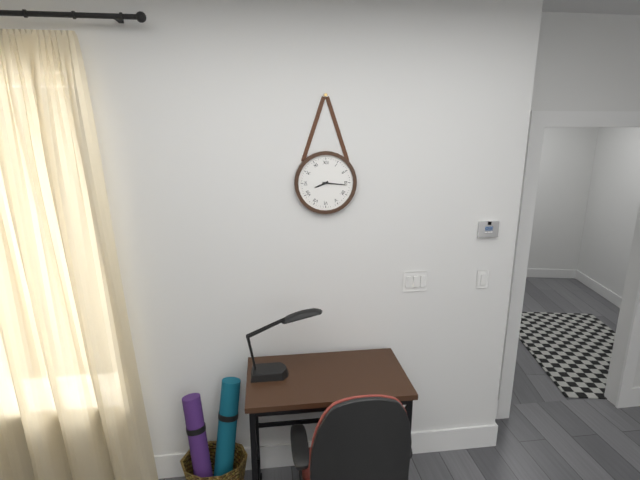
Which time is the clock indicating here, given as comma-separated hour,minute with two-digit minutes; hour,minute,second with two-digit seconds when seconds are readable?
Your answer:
8,16
